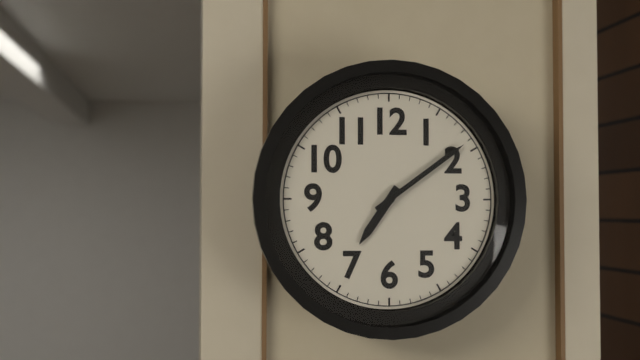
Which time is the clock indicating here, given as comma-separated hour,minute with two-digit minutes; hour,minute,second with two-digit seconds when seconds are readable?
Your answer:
7,09
